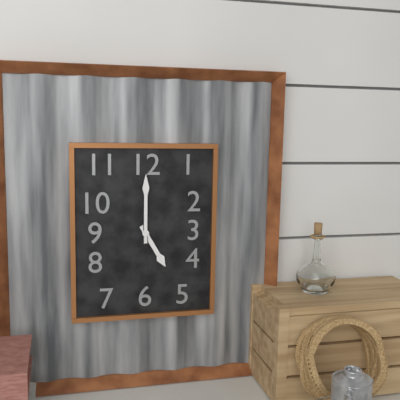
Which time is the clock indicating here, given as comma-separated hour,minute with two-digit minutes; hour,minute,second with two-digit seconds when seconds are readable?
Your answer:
5,00
